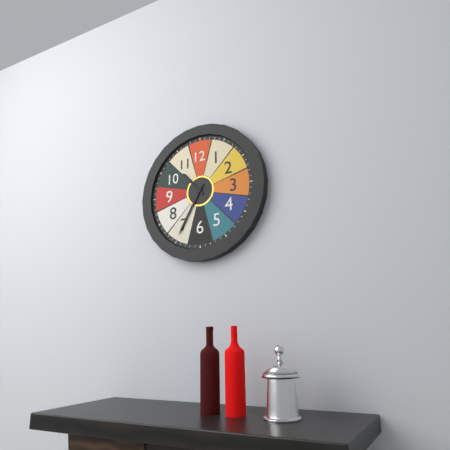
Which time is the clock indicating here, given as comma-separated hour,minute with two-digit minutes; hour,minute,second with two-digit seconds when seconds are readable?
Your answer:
10,35
